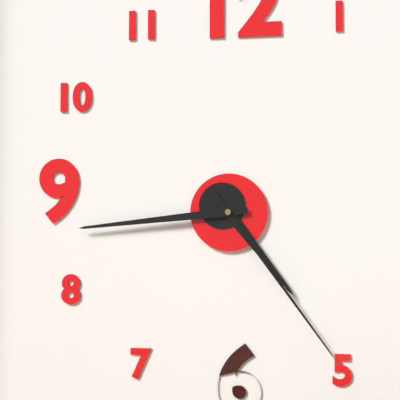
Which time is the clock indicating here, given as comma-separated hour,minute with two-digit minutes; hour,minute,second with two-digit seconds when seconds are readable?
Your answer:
4,44,24
